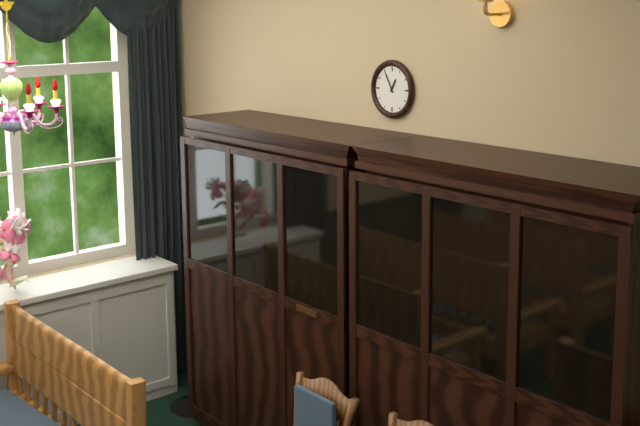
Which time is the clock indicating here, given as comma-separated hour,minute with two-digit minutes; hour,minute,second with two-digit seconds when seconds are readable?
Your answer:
12,55
